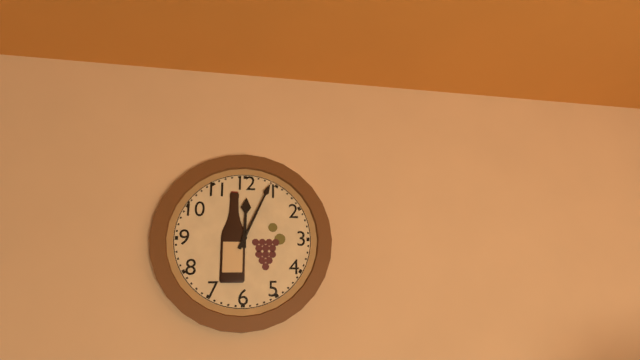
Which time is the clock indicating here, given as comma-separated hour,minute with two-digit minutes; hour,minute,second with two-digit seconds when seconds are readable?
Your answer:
12,04
